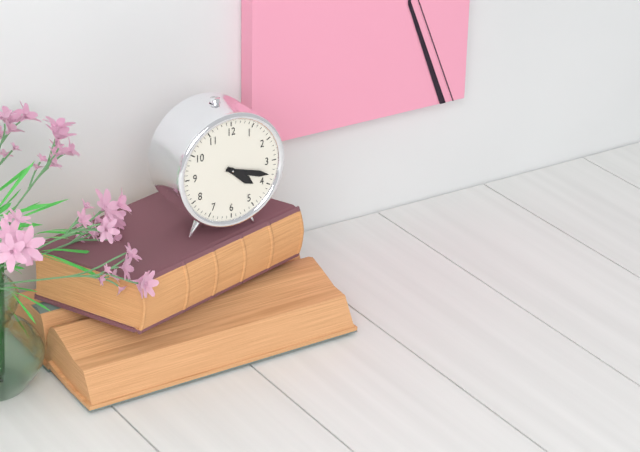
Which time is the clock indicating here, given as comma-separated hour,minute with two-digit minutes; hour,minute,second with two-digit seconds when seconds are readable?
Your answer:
4,18
